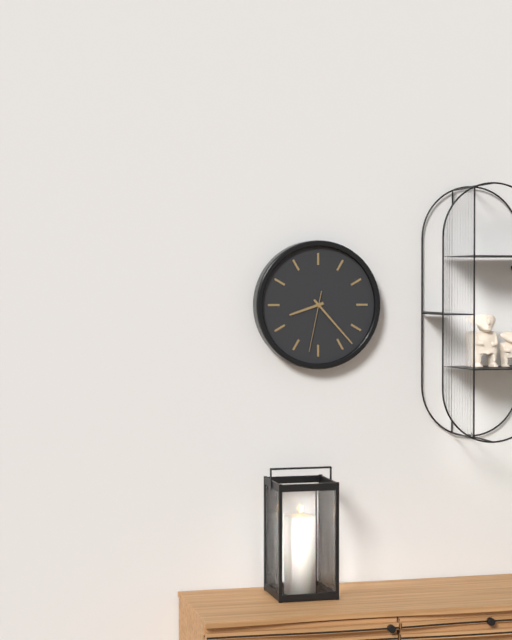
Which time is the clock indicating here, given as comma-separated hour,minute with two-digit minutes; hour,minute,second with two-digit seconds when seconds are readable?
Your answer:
8,23,32
